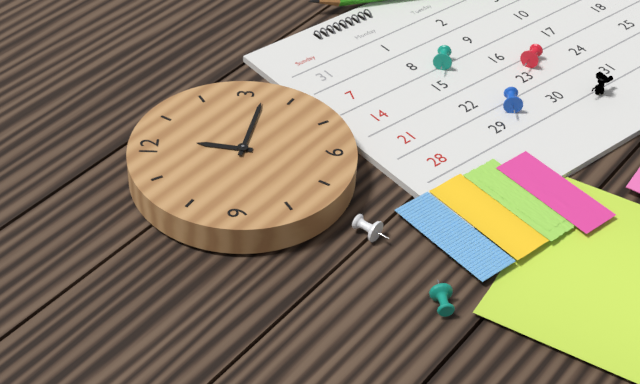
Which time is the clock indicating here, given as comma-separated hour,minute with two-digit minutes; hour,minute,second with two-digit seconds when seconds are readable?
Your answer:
12,17
